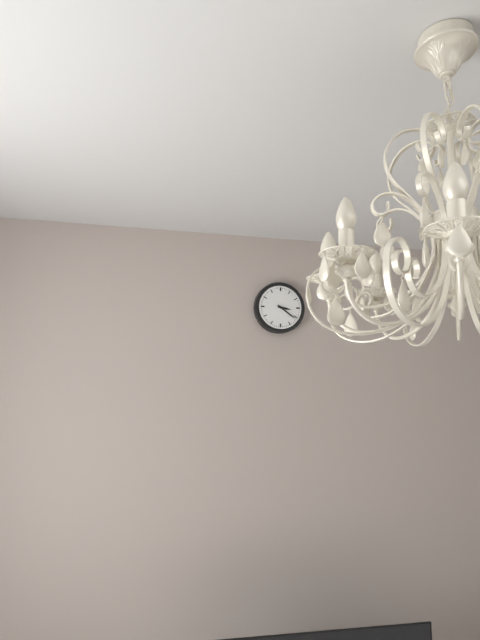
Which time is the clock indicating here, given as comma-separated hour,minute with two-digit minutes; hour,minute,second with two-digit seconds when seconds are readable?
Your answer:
3,21
